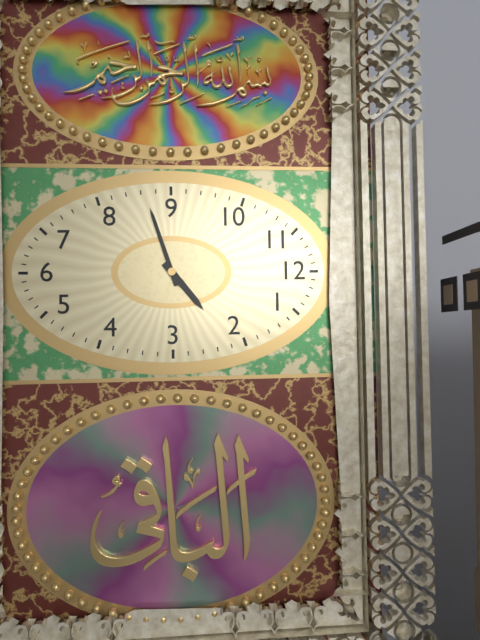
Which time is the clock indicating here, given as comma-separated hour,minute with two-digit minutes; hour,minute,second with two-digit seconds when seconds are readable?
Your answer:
1,42
